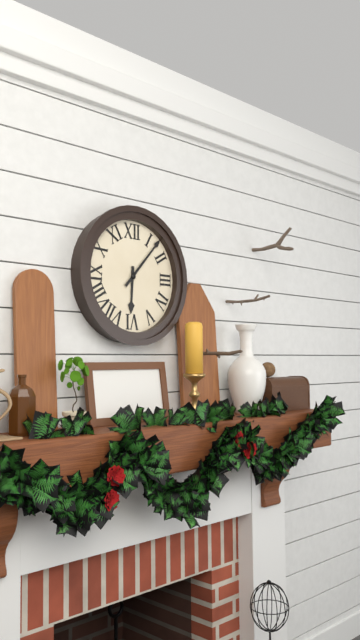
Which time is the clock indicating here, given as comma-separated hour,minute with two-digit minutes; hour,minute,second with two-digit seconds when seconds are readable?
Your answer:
6,07
